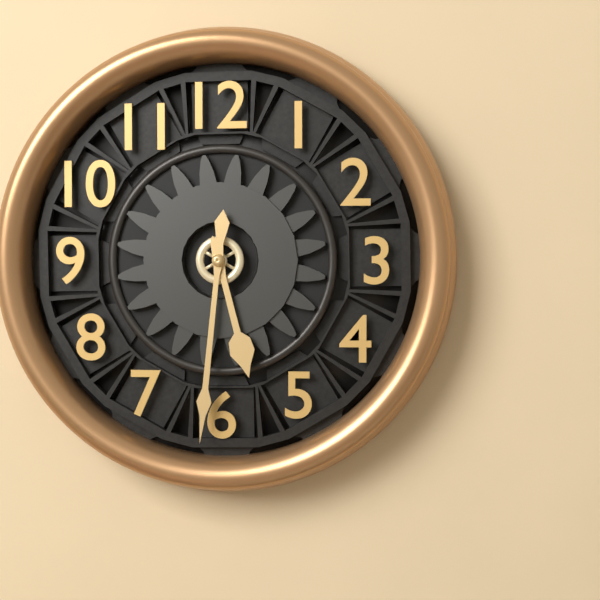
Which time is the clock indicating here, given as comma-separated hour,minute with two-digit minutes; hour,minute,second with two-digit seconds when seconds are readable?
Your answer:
5,31
